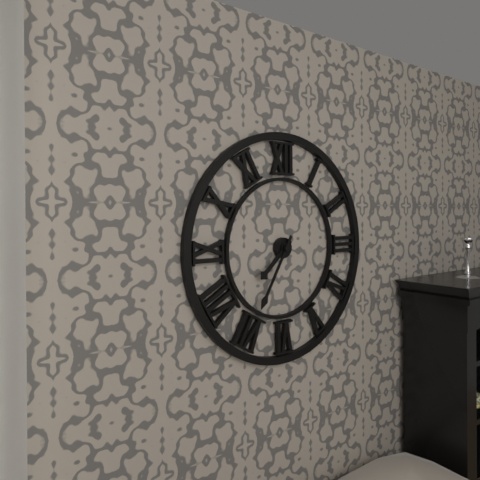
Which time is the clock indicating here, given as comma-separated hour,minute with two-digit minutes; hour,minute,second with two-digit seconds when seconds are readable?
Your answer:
7,35
